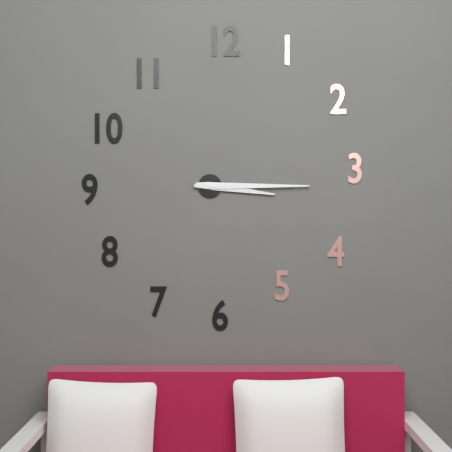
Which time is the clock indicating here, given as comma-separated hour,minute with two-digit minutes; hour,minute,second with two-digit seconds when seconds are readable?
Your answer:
3,15
